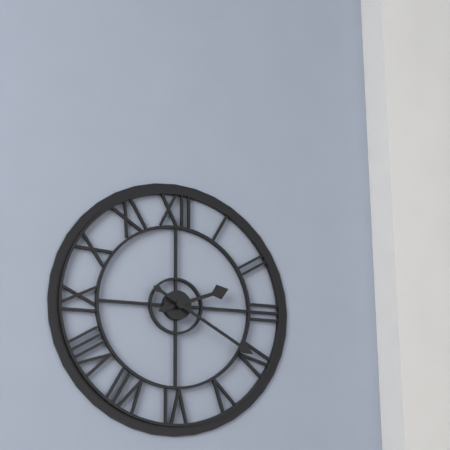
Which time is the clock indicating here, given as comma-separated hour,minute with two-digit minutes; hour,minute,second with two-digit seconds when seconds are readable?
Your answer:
2,20
